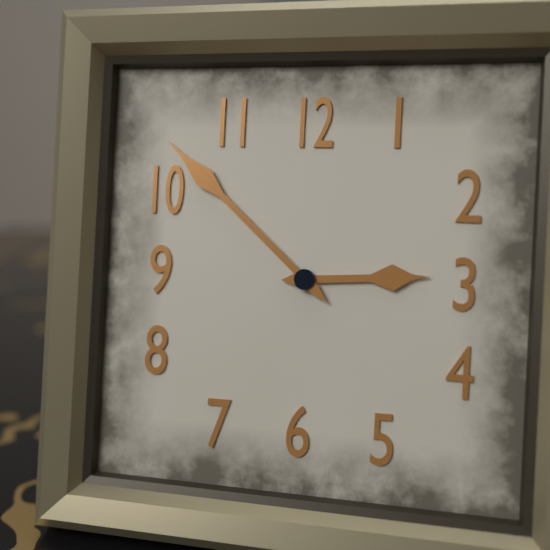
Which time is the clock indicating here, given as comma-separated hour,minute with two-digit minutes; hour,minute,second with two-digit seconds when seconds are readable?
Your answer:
2,52
